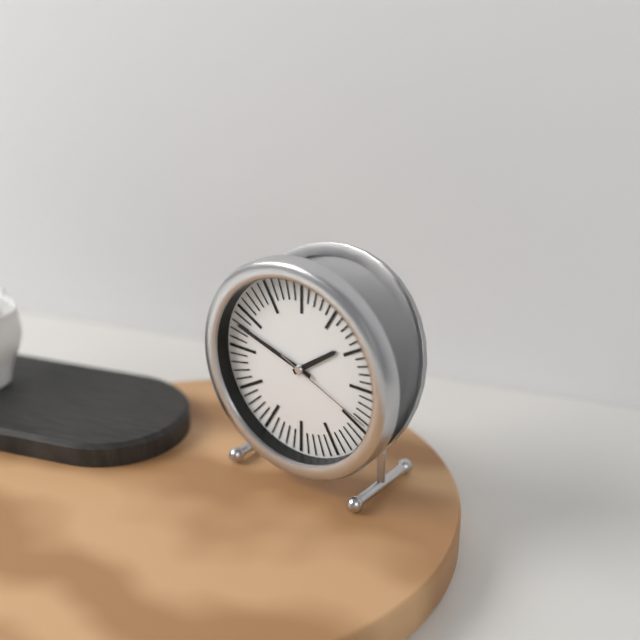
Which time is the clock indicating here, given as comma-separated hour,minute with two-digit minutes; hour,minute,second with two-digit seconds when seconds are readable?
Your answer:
1,48,19
